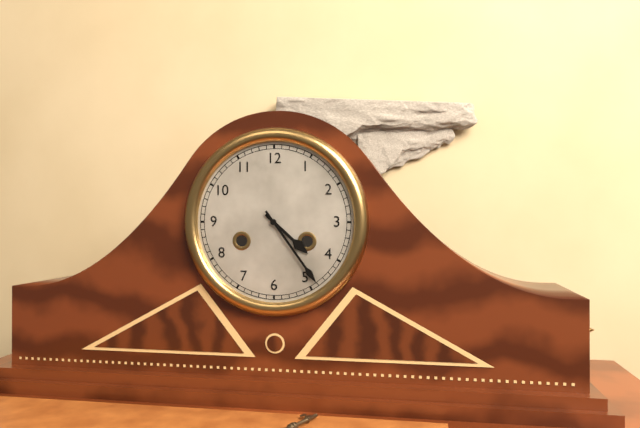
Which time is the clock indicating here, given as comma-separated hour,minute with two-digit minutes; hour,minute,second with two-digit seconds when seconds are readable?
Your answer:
4,24
